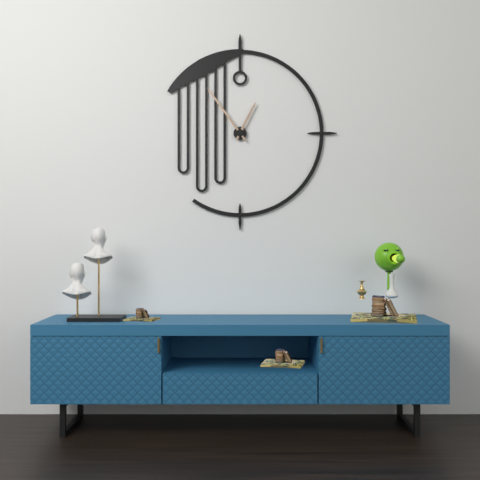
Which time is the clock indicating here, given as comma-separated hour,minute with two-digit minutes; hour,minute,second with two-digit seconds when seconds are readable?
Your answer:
12,54
